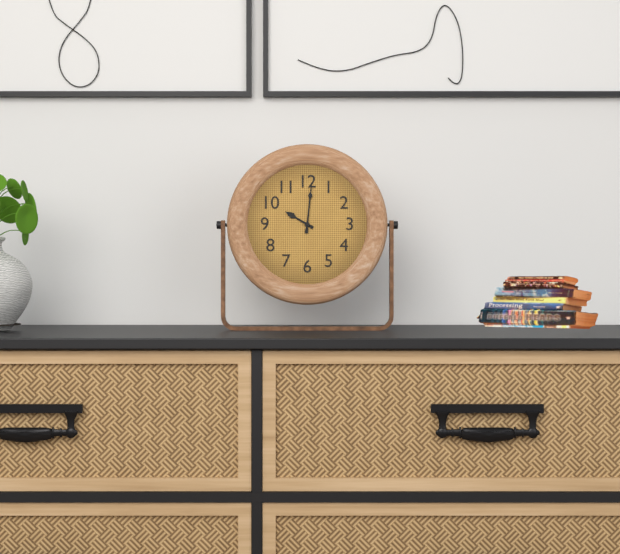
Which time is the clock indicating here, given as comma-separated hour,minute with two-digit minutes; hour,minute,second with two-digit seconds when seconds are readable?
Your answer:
10,01
